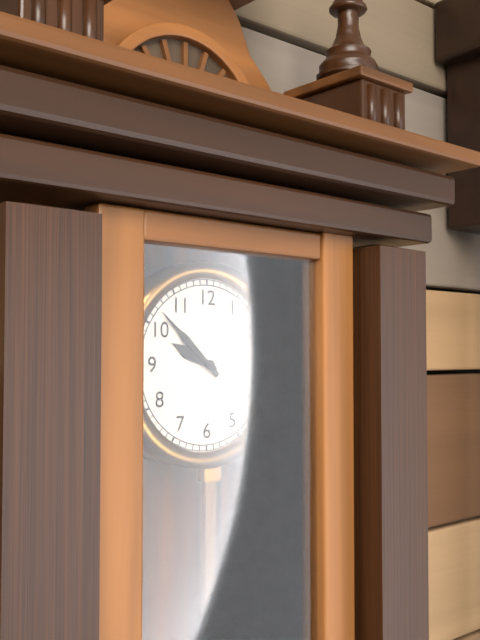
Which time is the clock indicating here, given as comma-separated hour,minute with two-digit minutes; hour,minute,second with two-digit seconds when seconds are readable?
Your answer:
9,52
